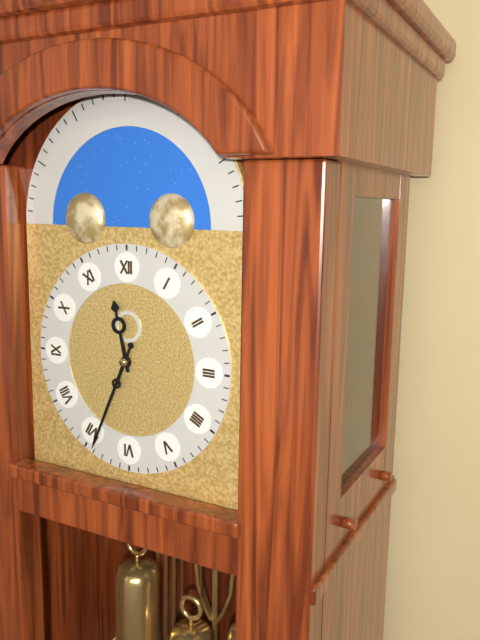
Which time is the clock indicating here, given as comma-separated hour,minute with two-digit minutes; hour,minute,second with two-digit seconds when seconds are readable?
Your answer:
11,34
